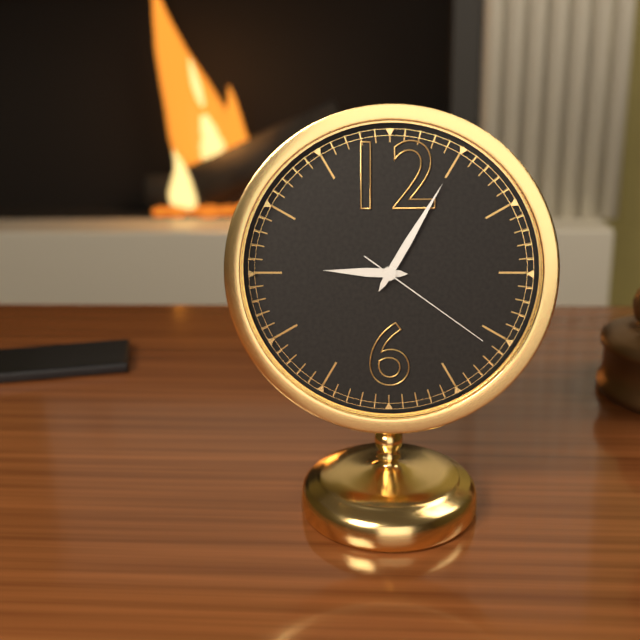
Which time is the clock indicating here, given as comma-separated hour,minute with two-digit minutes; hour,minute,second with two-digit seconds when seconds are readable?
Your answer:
9,05,21
